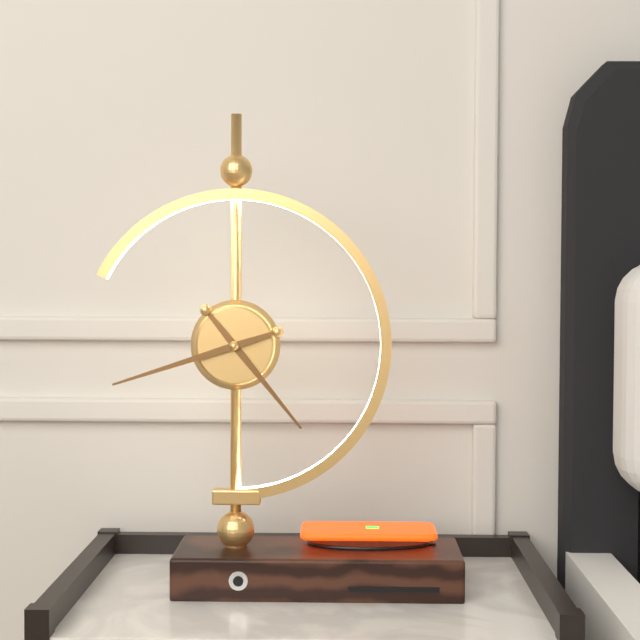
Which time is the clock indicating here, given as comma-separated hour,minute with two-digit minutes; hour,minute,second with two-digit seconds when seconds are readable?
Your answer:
4,42
